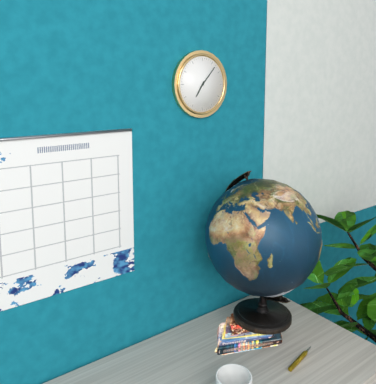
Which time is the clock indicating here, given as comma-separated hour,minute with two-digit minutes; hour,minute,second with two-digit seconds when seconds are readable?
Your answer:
7,07
